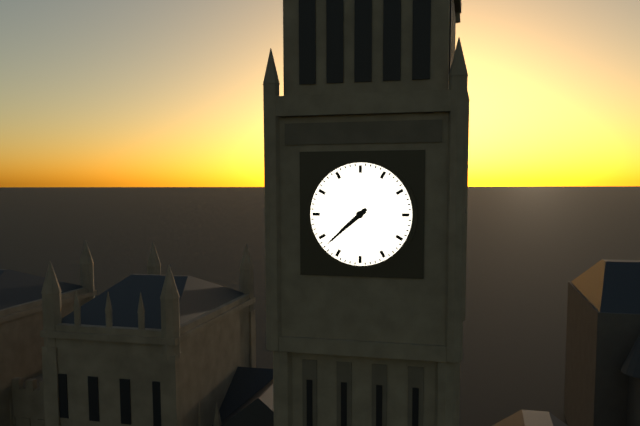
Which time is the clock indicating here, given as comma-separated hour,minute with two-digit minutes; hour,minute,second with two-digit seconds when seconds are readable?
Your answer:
7,38
